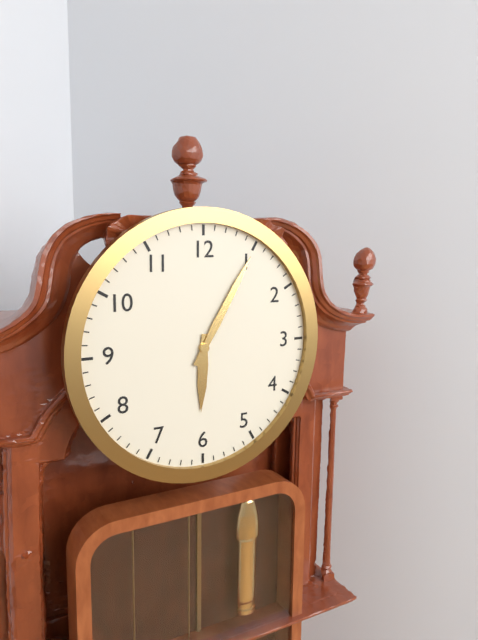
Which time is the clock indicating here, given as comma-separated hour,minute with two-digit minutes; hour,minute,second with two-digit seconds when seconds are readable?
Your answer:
6,05
